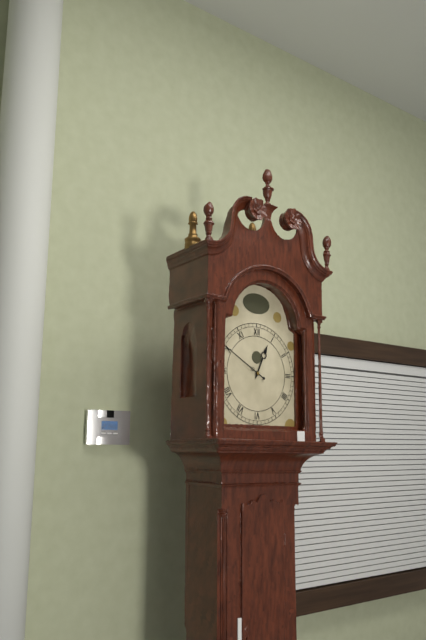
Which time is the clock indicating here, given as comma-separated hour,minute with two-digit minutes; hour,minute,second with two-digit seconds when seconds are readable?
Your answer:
12,50
